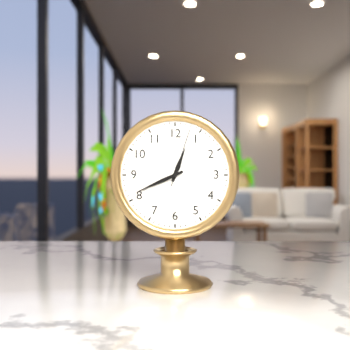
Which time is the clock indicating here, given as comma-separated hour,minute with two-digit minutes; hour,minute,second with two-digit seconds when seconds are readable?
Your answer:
12,41,03
